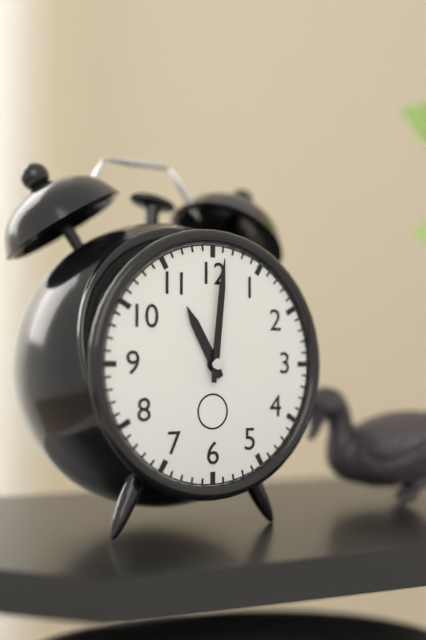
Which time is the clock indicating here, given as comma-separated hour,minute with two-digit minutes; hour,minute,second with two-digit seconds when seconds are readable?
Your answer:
11,01
